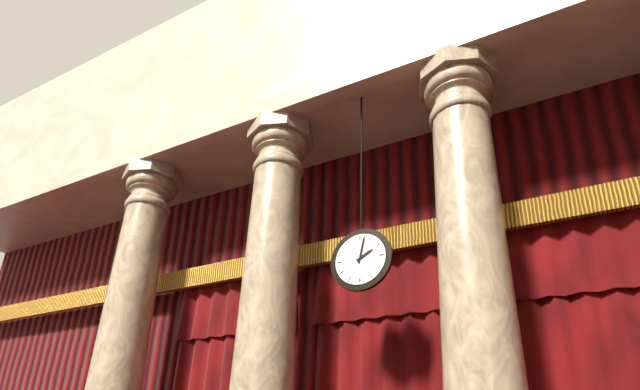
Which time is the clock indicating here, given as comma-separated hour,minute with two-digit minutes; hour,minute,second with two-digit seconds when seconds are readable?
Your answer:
2,02
